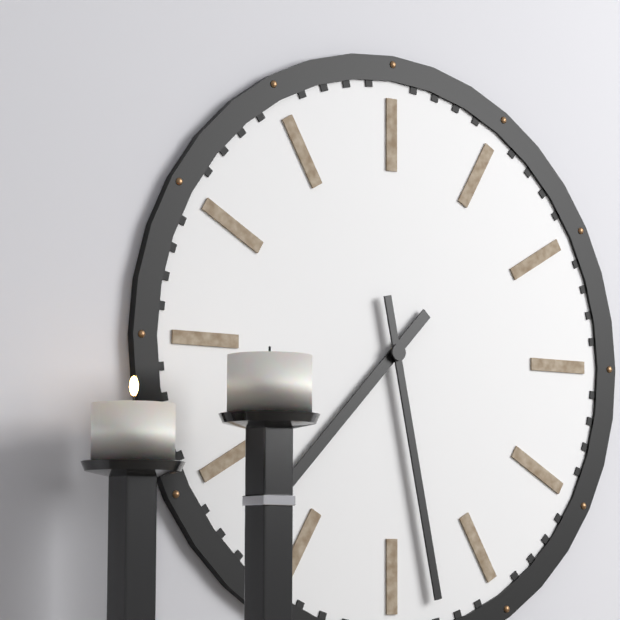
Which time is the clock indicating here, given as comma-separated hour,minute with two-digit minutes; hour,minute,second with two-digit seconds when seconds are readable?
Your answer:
7,28
